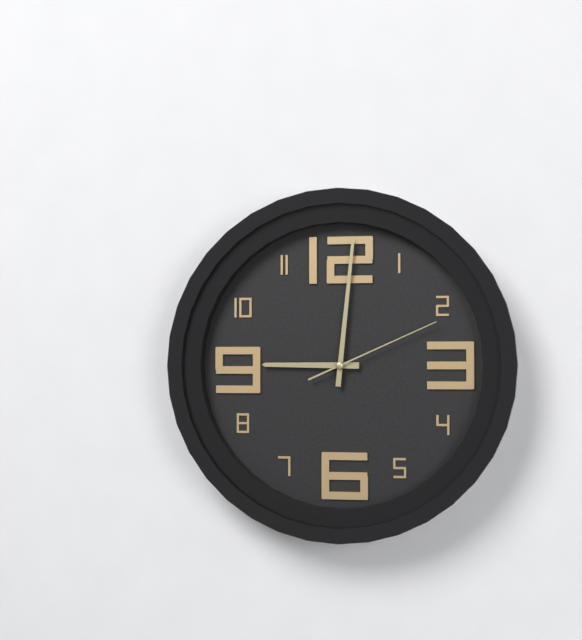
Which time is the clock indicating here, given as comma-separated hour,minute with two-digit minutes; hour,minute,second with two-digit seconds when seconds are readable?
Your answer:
9,01,11
